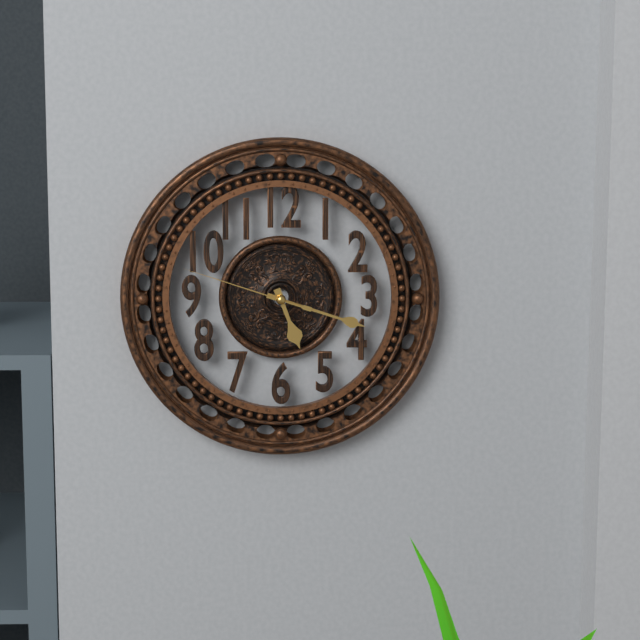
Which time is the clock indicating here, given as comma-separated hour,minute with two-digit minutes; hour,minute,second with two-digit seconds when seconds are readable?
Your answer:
5,18,48
